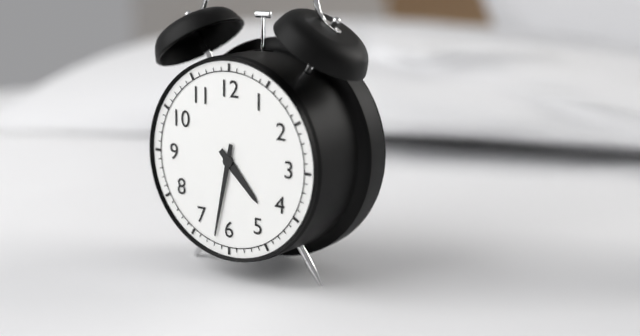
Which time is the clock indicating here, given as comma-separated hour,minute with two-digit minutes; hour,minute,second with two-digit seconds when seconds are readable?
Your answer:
4,32
